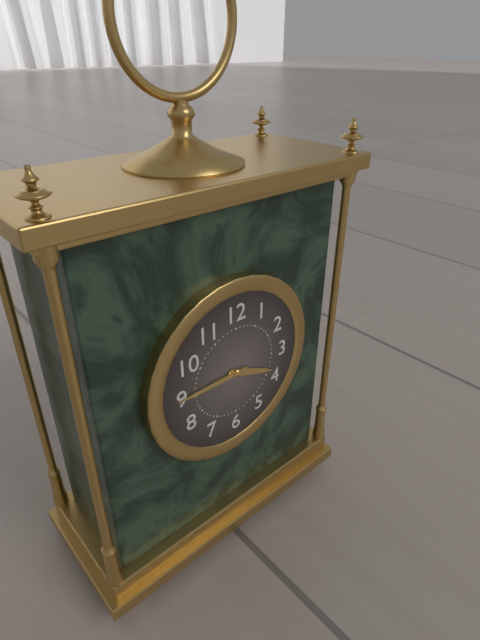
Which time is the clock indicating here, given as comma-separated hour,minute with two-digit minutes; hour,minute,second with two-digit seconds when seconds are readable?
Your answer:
3,45
